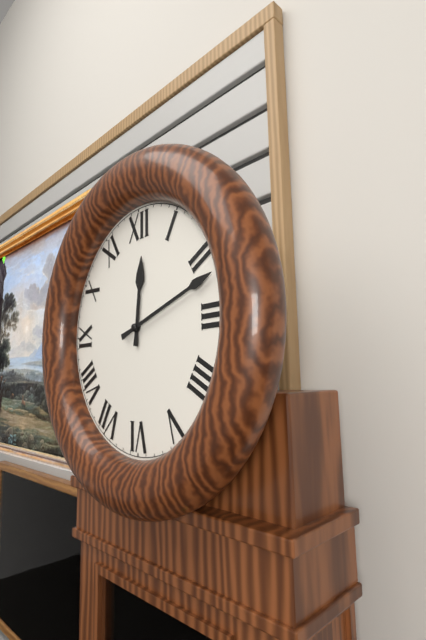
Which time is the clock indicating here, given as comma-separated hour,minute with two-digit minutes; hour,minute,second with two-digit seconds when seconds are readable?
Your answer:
12,12
